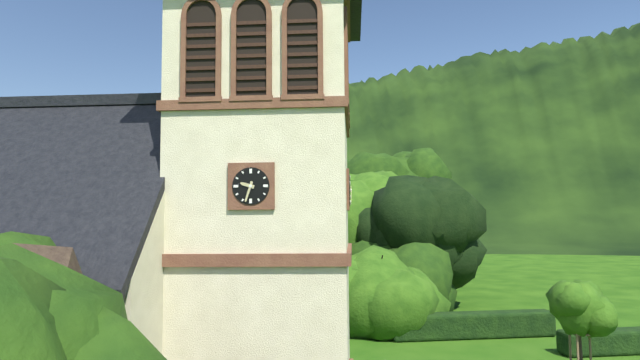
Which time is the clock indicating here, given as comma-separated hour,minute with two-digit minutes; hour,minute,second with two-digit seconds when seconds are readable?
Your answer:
9,33
